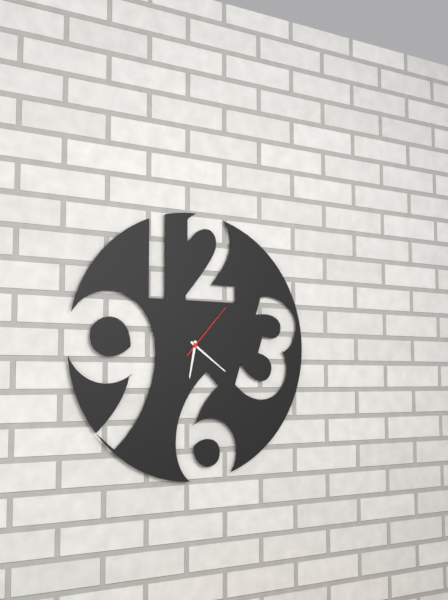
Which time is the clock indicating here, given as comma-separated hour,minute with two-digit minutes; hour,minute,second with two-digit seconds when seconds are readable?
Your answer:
6,21,07
